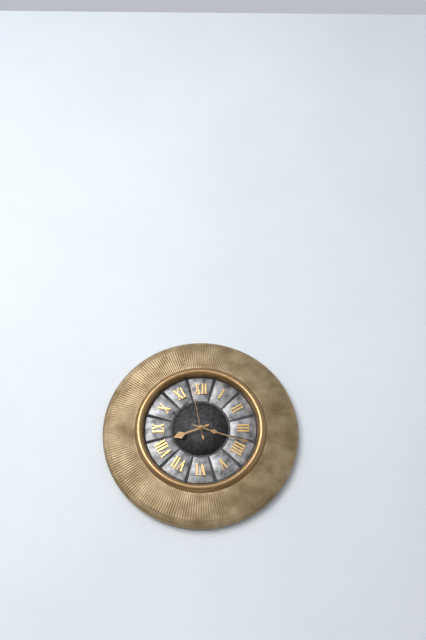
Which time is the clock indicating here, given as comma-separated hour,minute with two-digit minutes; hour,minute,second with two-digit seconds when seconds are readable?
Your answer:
8,18,58
